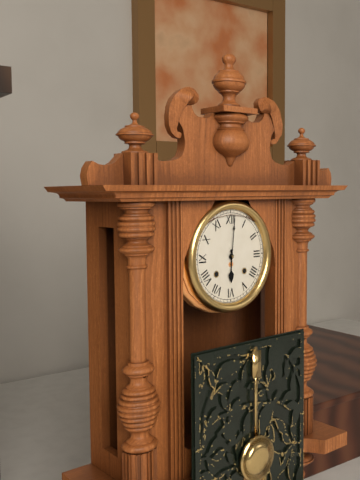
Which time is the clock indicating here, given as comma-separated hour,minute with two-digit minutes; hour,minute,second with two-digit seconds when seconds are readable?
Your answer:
6,01
